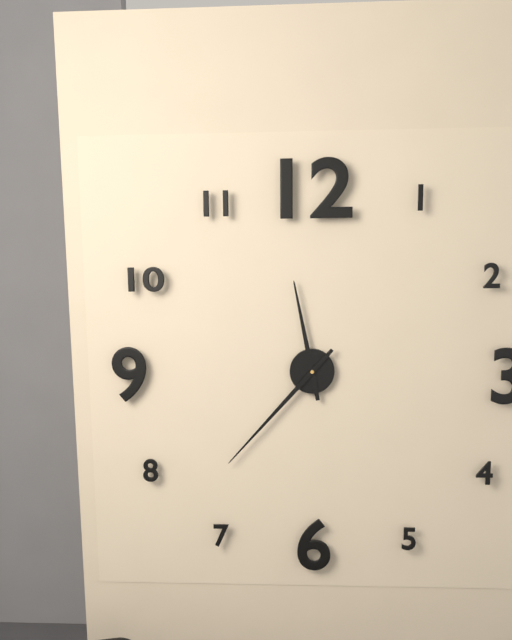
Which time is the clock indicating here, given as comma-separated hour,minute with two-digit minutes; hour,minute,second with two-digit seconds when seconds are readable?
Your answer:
11,37
